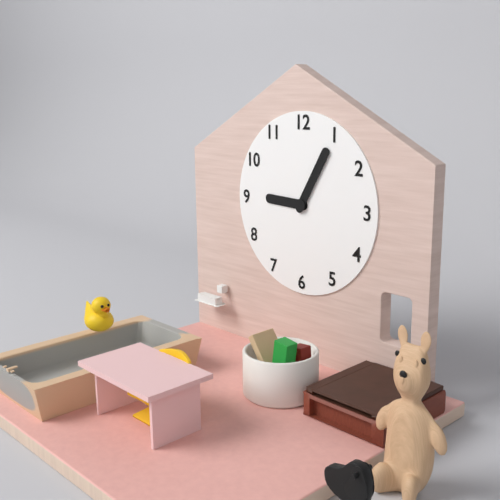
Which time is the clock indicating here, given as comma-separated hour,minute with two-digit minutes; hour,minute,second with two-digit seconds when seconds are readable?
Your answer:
9,05
